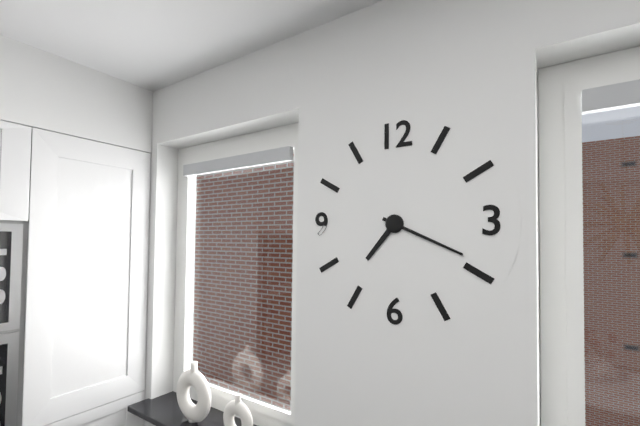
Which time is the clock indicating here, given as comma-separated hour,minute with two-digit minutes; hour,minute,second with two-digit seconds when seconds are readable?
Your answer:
7,19
